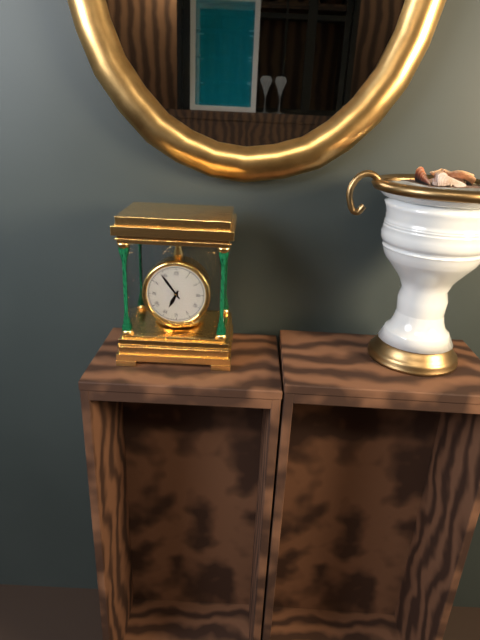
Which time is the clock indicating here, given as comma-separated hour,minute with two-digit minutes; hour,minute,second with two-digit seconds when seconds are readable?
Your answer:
6,54
